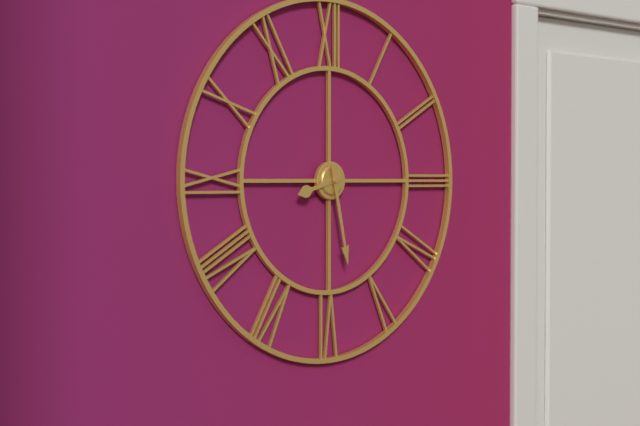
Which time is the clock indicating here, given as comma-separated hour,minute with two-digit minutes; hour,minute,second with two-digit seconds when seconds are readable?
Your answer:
8,28
